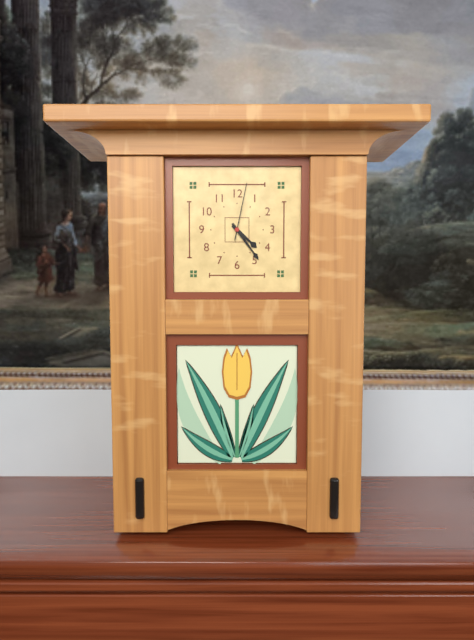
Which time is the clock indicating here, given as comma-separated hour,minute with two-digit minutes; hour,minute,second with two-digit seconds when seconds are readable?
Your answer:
4,24,02
